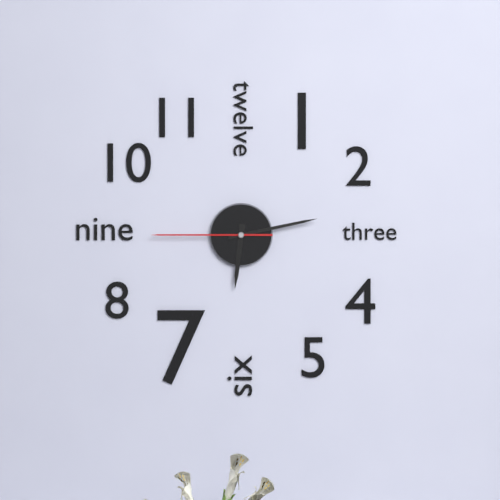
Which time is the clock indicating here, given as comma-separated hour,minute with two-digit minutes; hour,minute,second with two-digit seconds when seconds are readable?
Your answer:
6,13,45
